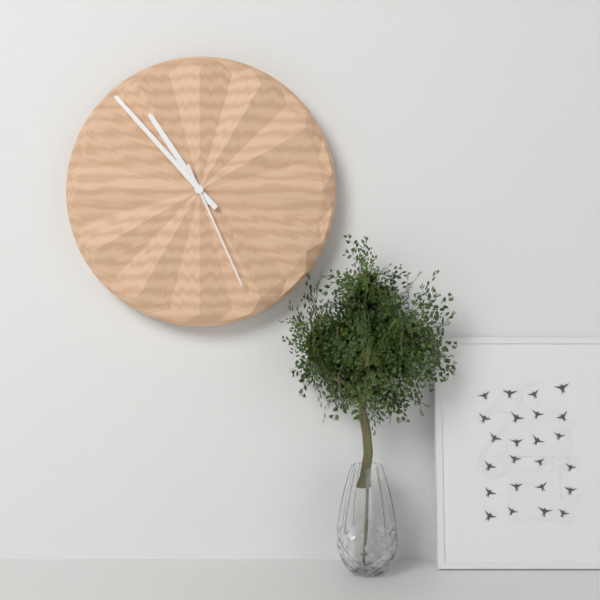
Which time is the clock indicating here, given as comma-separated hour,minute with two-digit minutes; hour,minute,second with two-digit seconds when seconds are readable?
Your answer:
10,53,26
